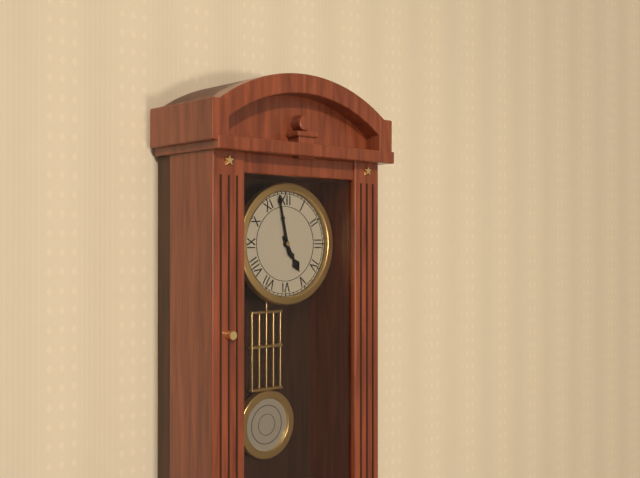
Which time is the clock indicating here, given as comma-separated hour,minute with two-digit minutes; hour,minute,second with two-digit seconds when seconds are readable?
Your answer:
4,58
